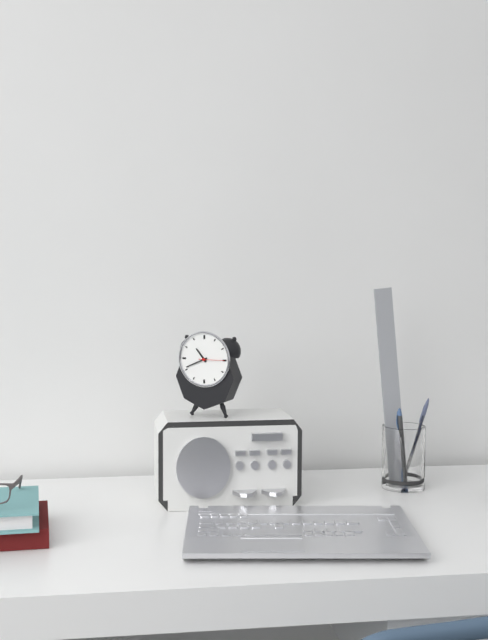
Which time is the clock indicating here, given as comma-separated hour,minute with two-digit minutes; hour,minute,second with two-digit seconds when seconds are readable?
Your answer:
10,41
